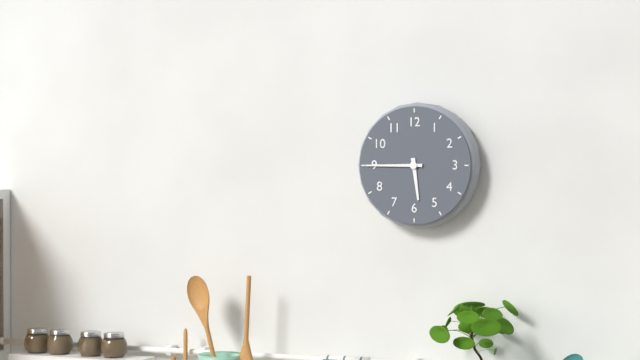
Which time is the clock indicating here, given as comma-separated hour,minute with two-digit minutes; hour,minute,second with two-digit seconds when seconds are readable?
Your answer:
5,45
